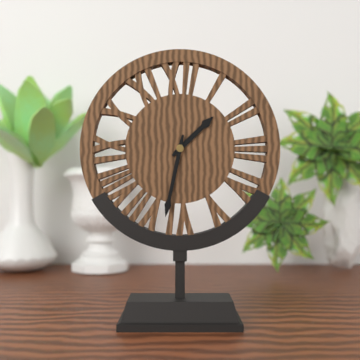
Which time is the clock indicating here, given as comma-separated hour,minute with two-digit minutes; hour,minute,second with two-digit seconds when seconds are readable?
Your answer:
1,32
